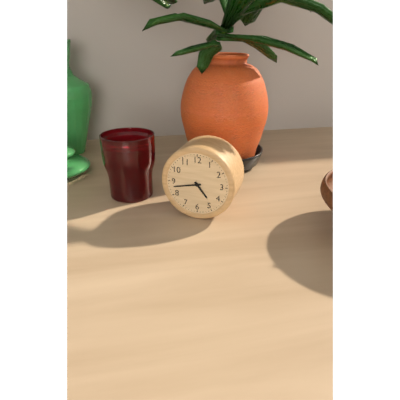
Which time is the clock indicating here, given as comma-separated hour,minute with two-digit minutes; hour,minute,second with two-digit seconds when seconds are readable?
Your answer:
4,43
